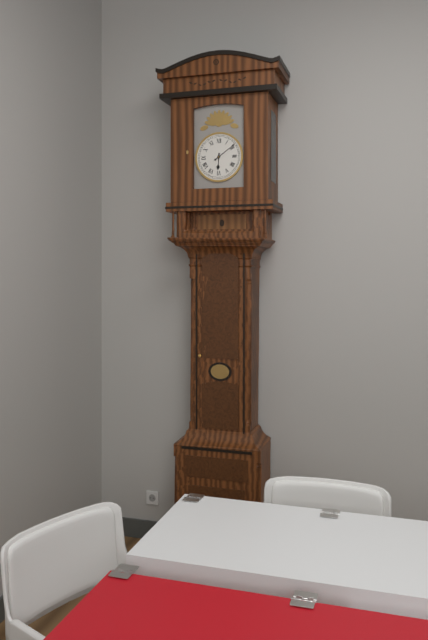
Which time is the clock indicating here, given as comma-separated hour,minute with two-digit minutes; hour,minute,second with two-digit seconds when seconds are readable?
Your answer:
6,09
